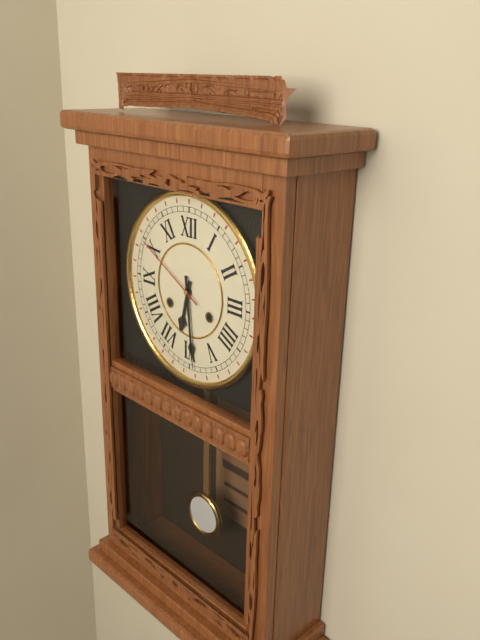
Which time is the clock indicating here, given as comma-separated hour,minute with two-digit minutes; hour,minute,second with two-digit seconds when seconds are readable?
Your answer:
6,29,50
